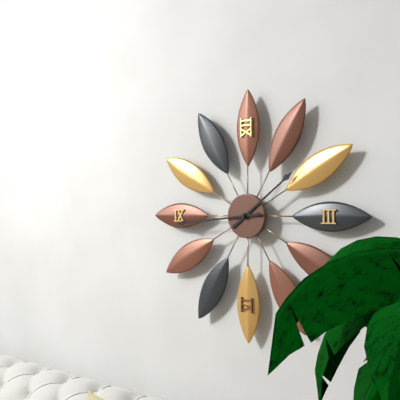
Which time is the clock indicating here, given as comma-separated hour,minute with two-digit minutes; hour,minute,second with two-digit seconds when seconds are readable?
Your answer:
1,44
